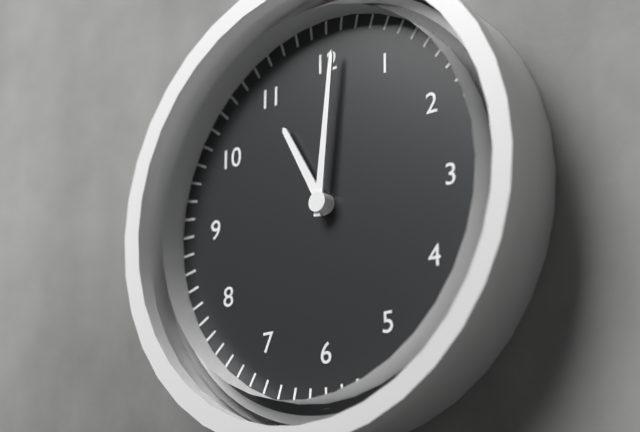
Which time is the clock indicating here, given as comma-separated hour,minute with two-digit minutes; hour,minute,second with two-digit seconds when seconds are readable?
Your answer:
11,01
